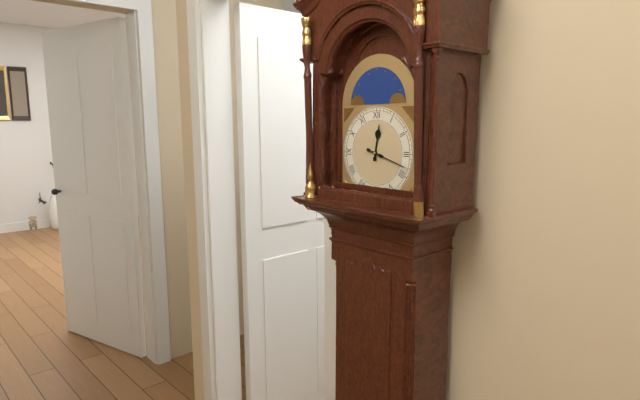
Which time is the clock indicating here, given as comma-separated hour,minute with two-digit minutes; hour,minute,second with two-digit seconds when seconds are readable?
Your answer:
12,18
